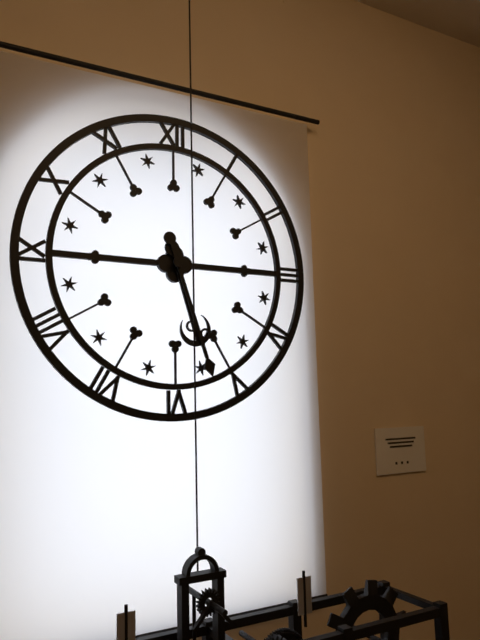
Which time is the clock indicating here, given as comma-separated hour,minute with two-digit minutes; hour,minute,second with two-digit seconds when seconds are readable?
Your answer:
5,27
